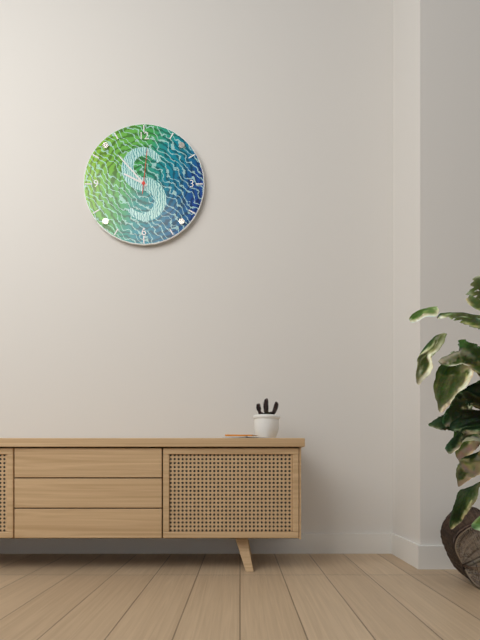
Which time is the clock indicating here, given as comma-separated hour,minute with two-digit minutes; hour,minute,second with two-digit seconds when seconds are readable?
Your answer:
9,53
